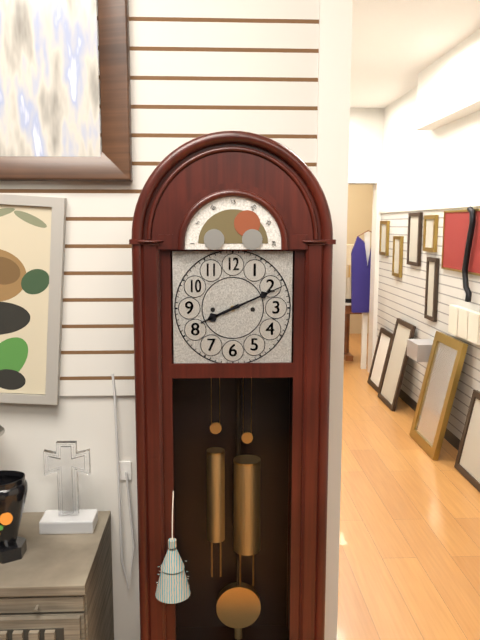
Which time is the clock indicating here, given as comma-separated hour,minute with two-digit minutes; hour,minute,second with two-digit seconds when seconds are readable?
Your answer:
8,11
